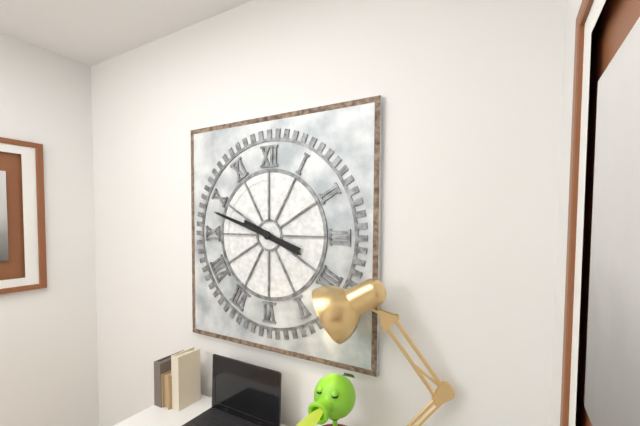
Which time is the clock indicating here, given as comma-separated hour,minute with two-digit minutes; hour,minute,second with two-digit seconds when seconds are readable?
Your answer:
3,48
